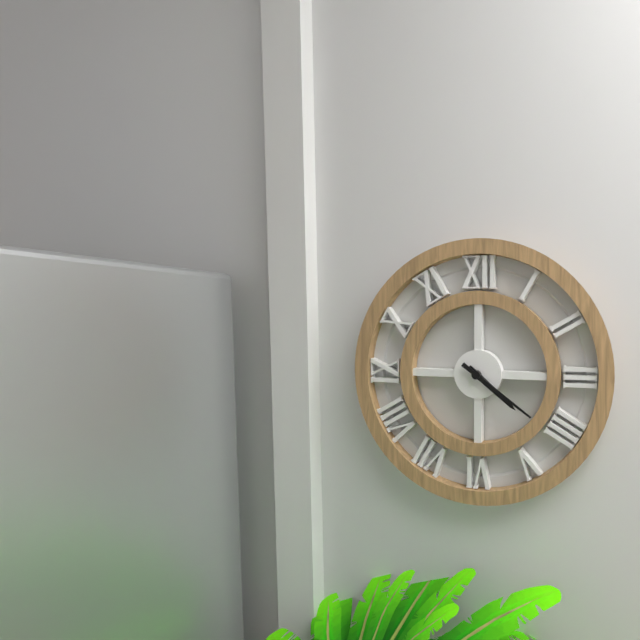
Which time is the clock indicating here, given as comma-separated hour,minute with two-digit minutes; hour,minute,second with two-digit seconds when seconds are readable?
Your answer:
4,21
